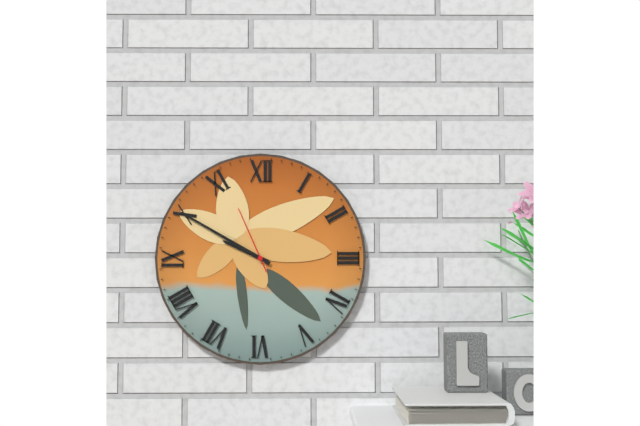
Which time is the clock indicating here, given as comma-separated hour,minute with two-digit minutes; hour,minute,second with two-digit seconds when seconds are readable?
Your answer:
9,50,56
